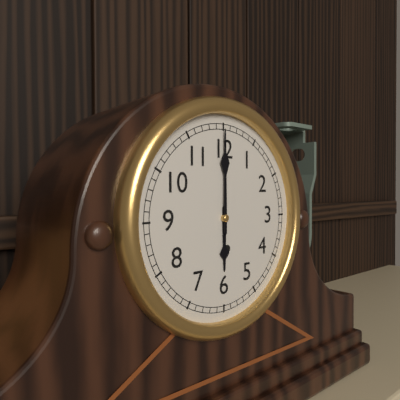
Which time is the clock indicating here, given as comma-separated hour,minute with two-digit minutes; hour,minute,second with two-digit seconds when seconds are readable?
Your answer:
6,00
